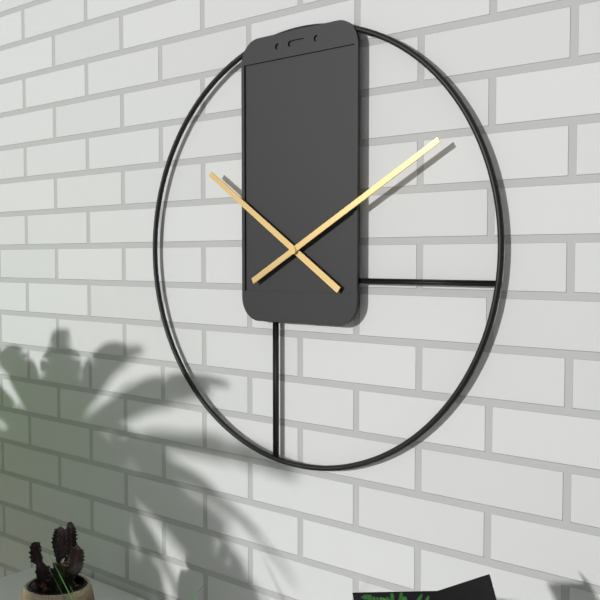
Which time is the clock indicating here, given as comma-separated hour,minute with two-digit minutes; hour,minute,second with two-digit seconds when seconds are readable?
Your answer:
10,10
